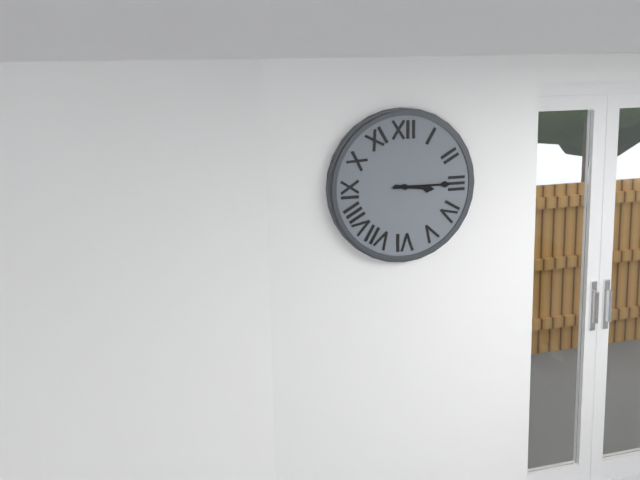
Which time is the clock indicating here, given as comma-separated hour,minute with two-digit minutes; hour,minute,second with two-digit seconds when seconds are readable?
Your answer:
3,15
